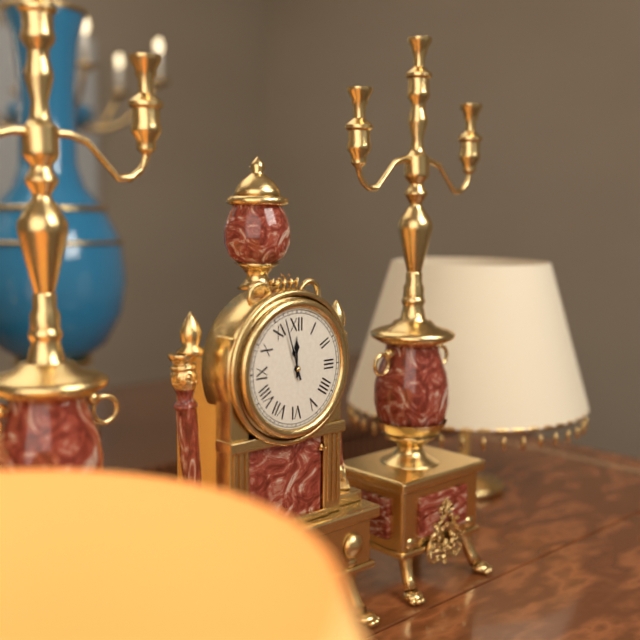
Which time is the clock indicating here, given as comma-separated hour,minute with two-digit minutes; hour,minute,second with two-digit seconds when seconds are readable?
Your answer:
11,57
